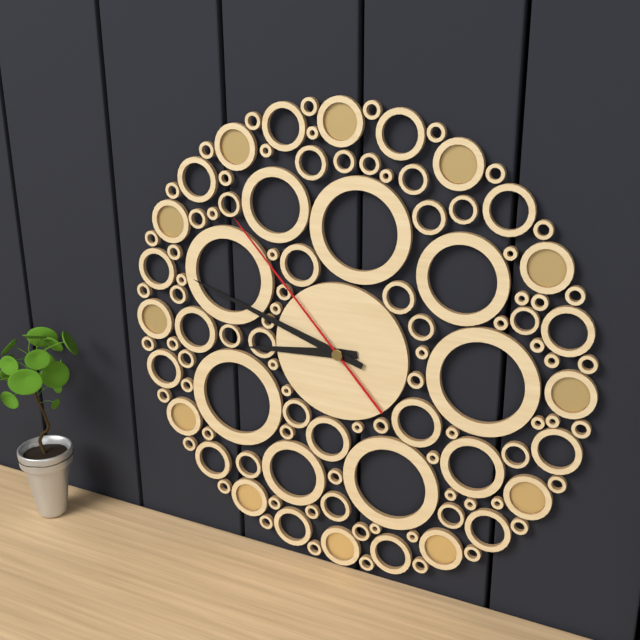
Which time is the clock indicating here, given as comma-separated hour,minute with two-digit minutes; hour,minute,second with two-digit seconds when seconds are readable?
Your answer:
8,48,53
